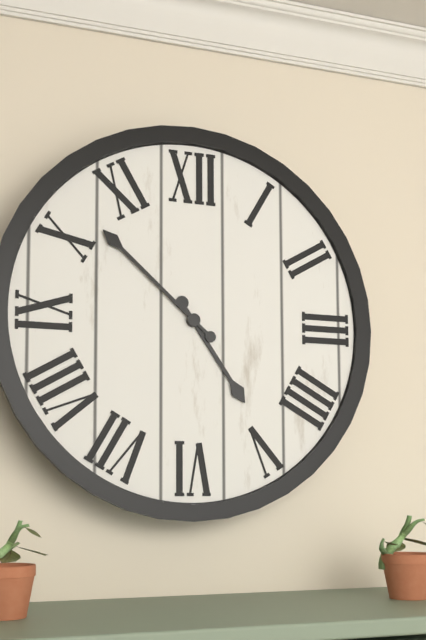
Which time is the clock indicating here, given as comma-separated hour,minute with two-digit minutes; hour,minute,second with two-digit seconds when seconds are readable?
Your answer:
4,52
